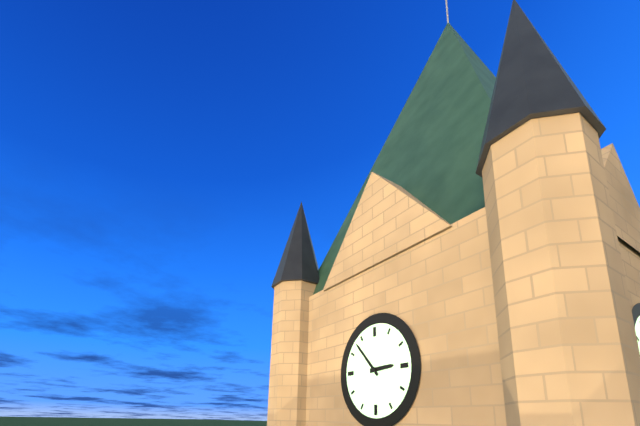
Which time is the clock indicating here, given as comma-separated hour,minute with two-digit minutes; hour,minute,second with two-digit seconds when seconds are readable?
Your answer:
2,53
